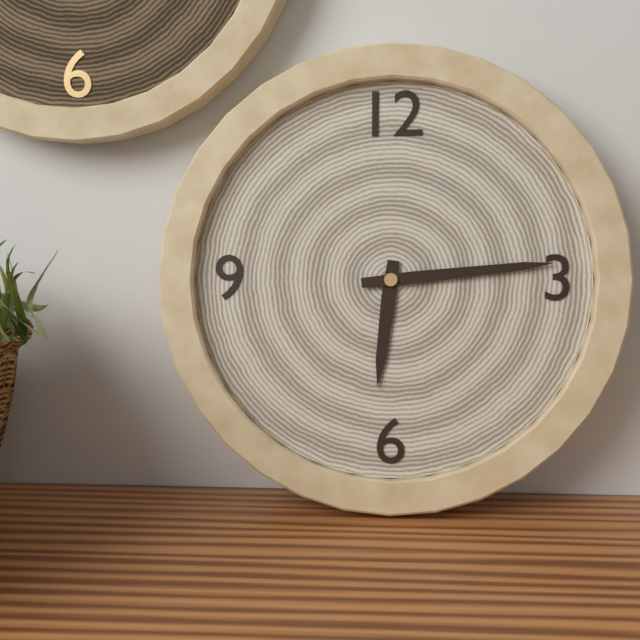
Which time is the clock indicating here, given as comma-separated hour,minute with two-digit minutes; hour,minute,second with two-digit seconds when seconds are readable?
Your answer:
6,14
